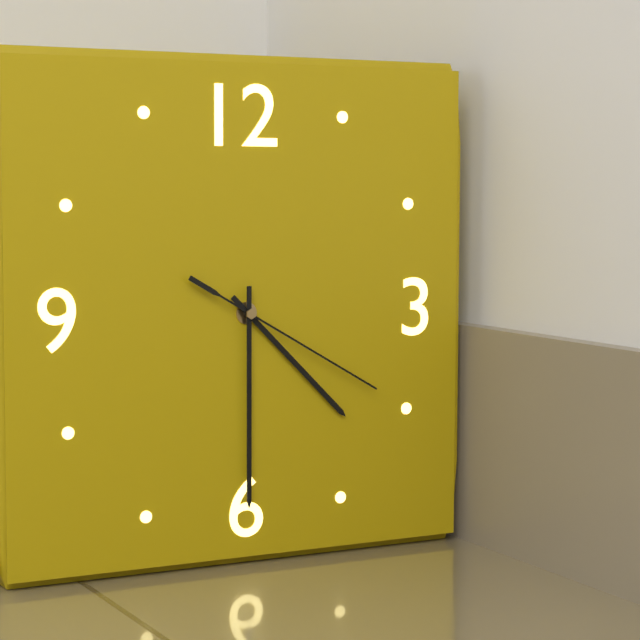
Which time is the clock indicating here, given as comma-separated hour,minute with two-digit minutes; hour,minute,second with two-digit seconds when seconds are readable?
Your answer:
4,30,20
